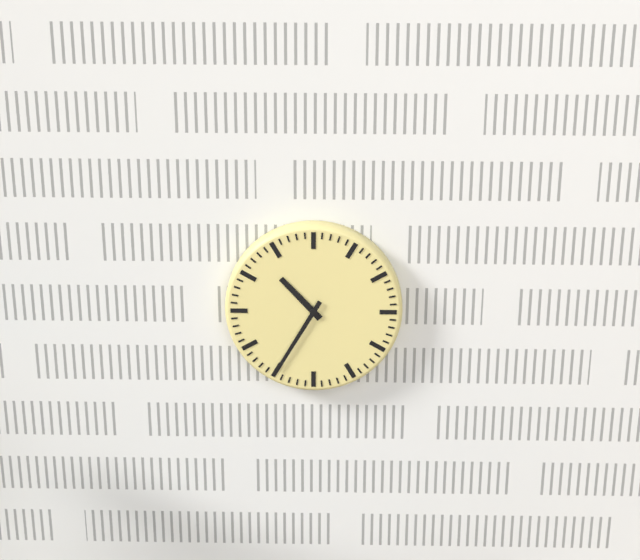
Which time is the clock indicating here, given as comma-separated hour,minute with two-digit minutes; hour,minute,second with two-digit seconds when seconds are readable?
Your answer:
10,35
